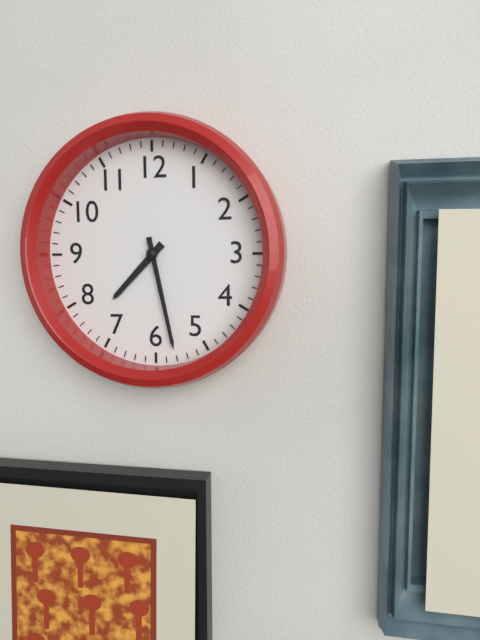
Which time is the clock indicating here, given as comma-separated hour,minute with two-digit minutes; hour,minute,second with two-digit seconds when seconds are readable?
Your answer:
7,28
